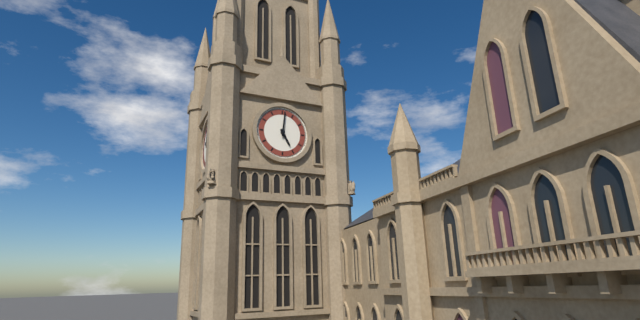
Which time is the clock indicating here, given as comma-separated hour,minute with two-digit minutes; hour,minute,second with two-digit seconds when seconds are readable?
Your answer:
5,01
